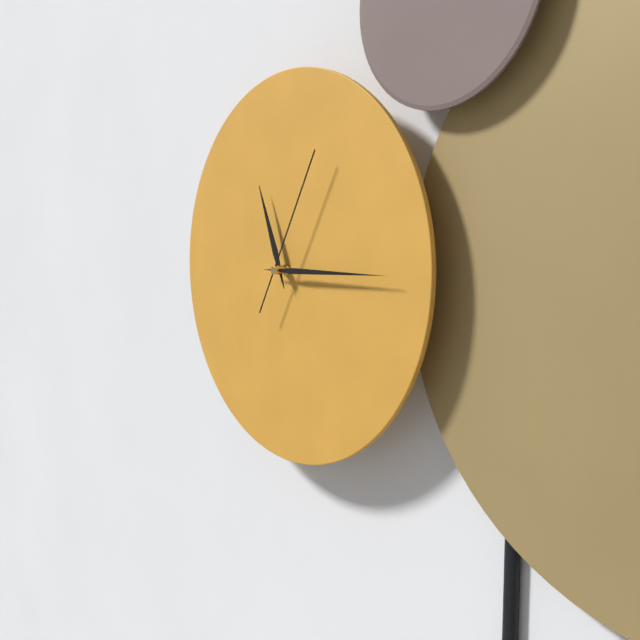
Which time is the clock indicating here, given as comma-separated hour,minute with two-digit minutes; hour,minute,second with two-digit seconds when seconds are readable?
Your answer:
11,15,05
